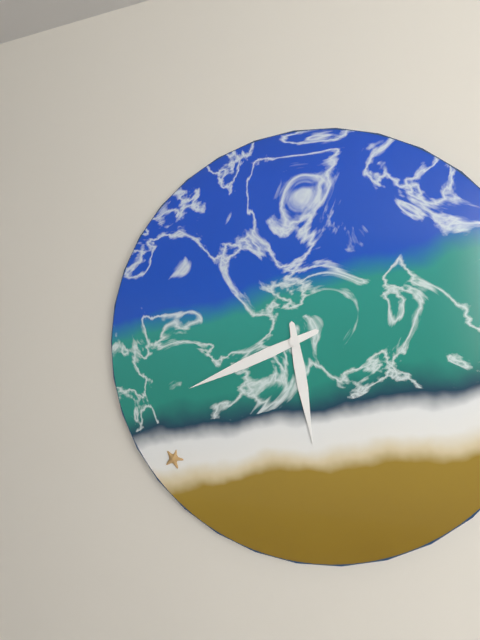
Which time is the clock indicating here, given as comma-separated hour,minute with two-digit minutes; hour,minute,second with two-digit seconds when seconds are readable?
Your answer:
5,41
